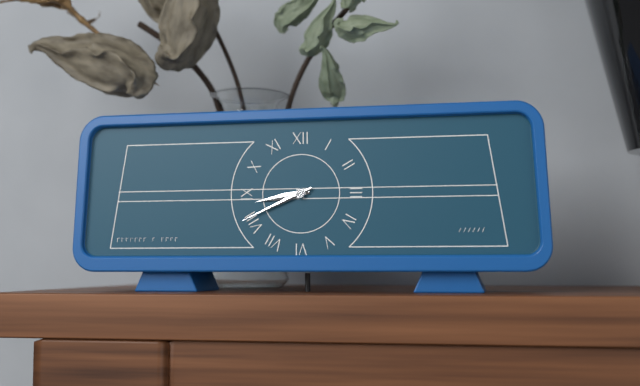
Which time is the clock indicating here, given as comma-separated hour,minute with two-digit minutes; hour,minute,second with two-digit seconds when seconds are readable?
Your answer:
8,41
